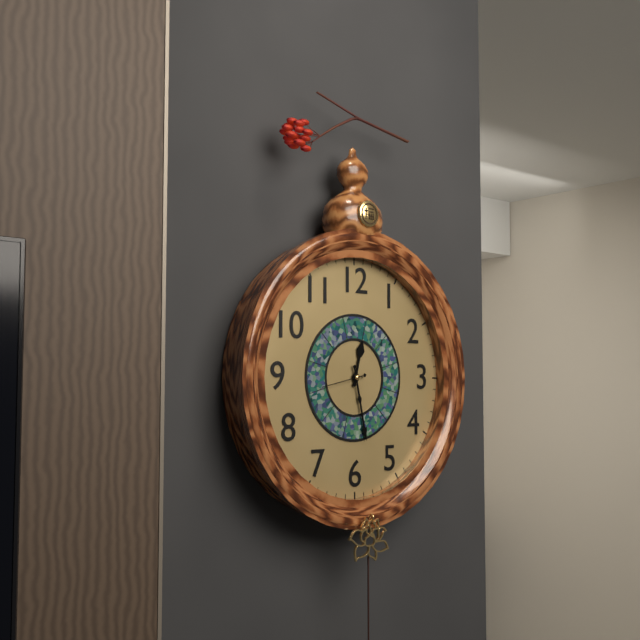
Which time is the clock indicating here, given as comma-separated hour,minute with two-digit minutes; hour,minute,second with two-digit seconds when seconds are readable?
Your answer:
12,28
